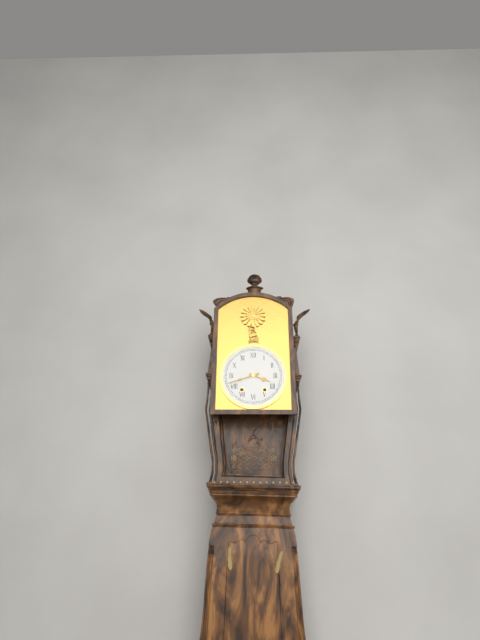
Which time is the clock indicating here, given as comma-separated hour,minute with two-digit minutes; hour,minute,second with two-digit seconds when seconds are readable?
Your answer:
3,42
